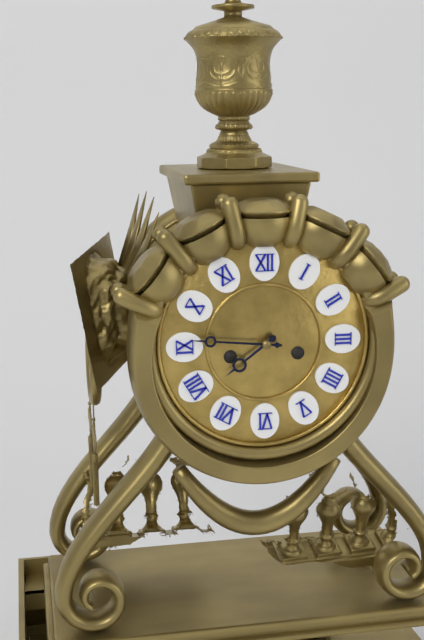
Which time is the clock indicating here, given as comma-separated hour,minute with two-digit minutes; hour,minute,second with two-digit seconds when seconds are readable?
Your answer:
7,46
